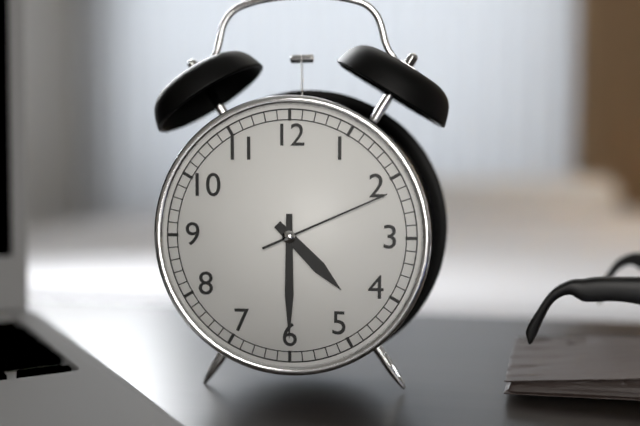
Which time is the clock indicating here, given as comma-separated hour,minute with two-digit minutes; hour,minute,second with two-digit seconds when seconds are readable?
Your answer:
4,30,11
